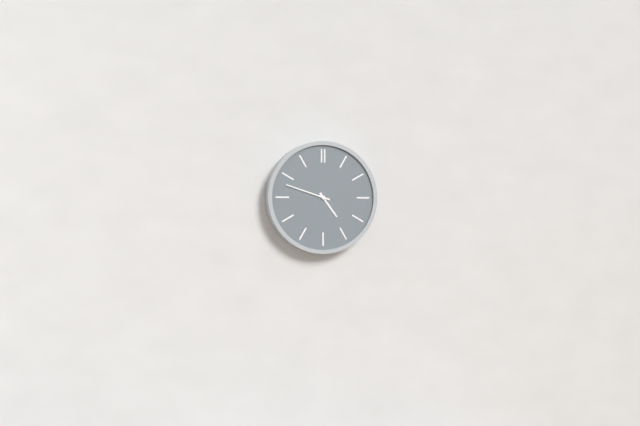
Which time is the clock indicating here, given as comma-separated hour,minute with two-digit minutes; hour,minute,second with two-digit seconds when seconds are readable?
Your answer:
4,48
